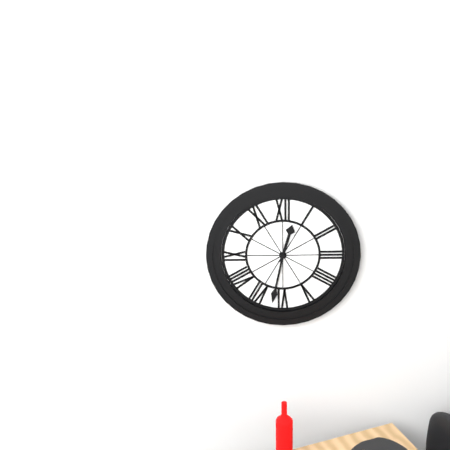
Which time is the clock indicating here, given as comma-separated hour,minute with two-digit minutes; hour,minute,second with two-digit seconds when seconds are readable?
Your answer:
12,32
